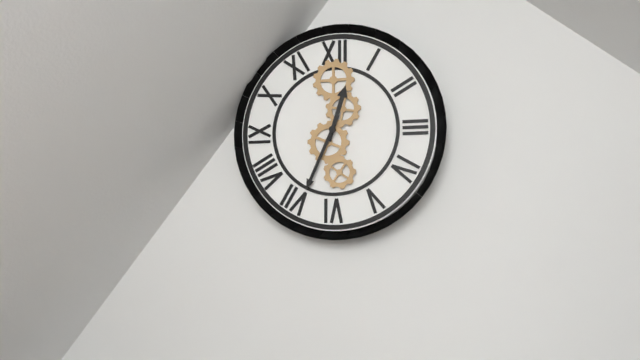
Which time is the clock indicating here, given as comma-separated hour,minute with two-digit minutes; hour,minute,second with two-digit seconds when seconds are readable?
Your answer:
12,34
